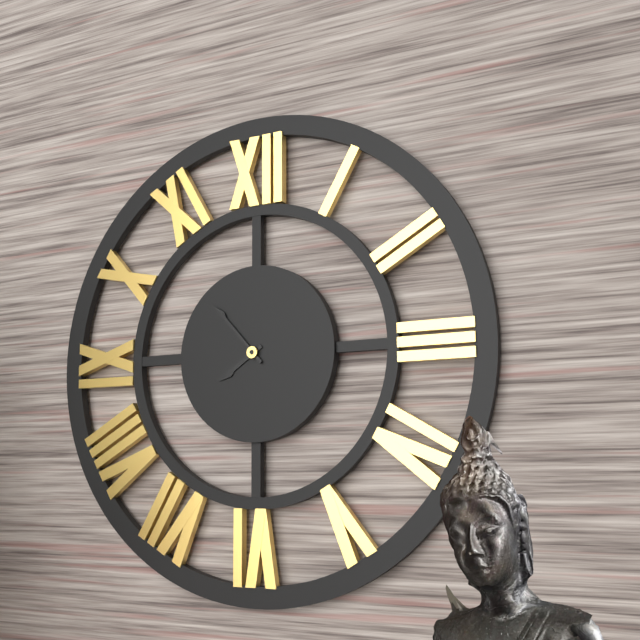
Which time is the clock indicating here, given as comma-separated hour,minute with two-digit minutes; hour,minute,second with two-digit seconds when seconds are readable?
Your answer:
7,53
